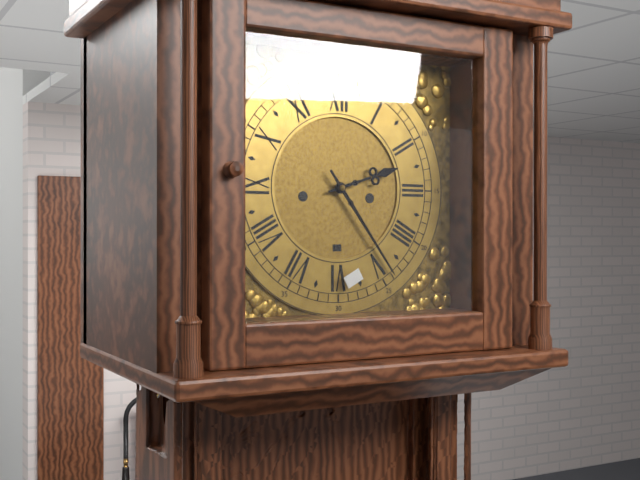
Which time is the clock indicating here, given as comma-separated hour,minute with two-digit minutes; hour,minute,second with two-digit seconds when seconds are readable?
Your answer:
2,24
